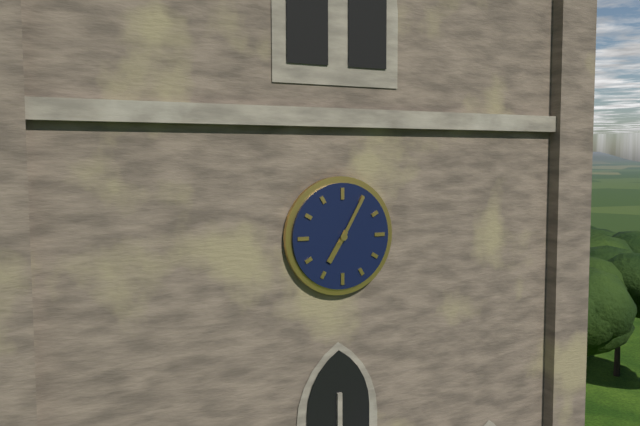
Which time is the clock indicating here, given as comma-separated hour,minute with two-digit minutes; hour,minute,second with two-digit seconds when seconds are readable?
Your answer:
7,05
